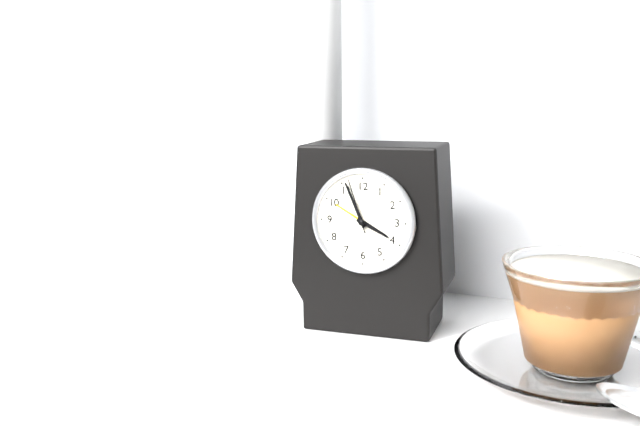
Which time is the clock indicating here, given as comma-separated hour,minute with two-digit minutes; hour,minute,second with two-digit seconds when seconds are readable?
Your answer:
3,56,57
